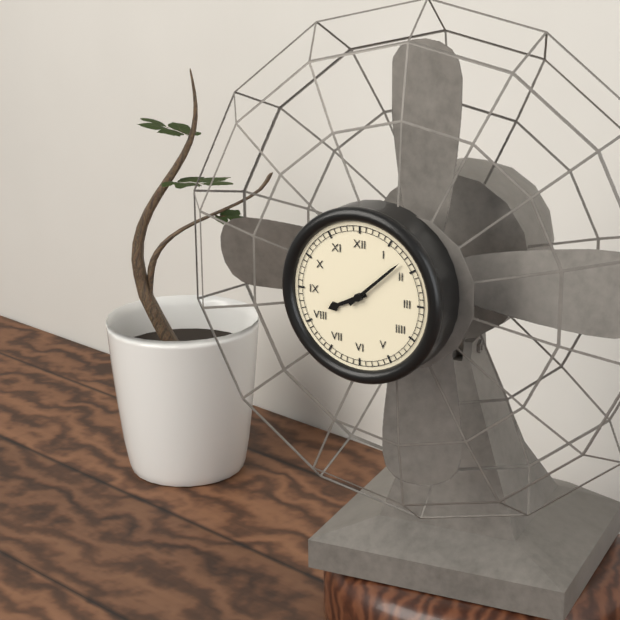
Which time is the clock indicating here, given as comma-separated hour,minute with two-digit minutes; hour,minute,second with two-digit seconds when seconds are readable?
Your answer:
8,08
